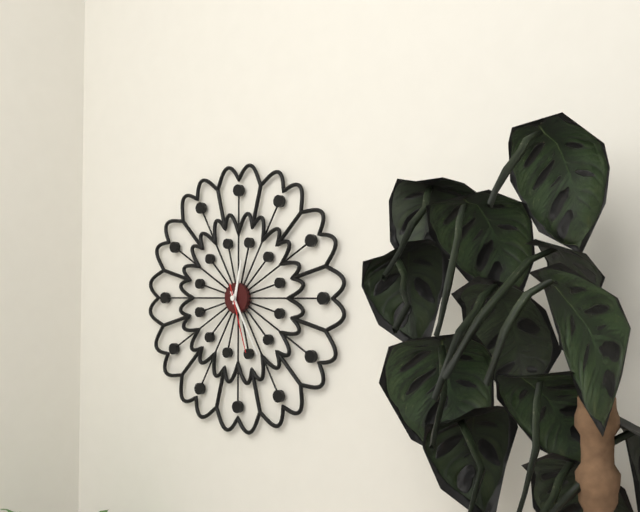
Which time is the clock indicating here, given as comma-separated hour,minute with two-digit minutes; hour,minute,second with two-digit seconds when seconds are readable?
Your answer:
12,25,27
